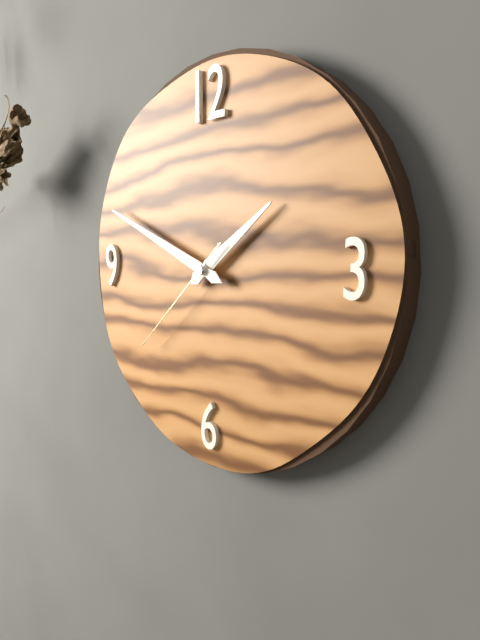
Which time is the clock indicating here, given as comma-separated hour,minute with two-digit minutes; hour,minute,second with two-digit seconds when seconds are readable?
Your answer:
1,49,38
